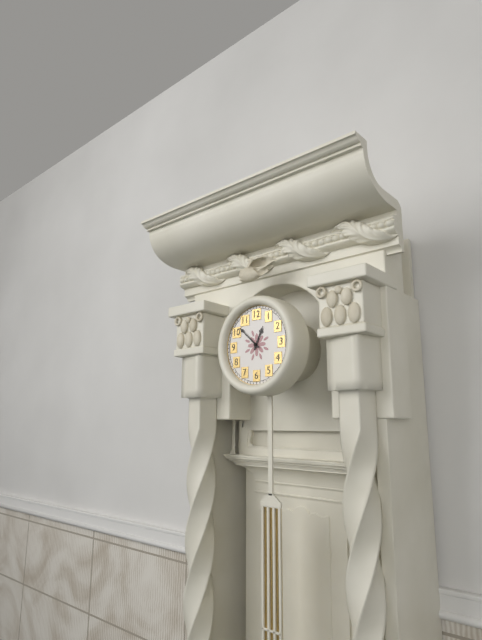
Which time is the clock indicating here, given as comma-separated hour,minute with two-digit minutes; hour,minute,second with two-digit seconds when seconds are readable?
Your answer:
12,52
